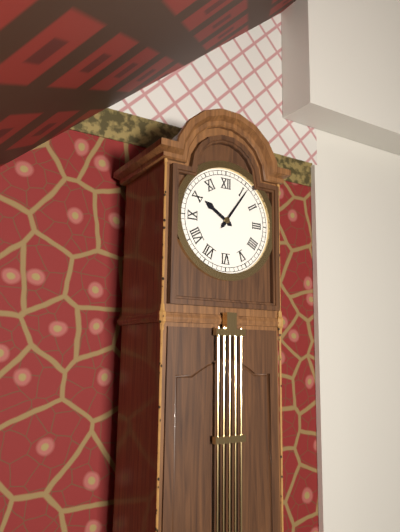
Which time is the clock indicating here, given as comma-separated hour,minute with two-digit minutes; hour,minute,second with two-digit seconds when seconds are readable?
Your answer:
10,06
